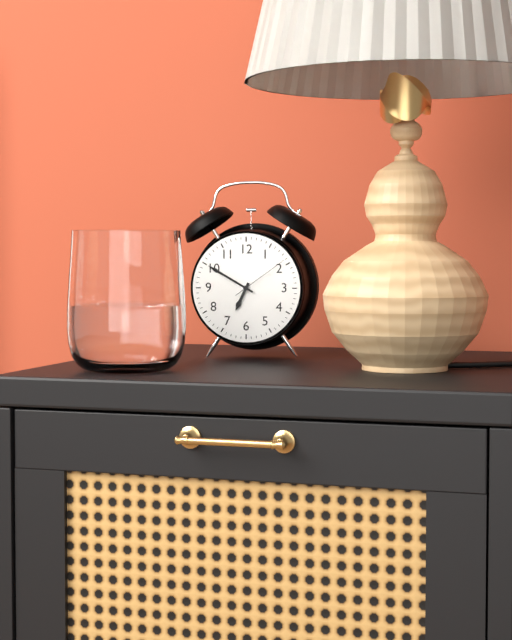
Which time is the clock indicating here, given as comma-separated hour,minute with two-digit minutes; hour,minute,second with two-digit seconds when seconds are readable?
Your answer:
6,50,09
